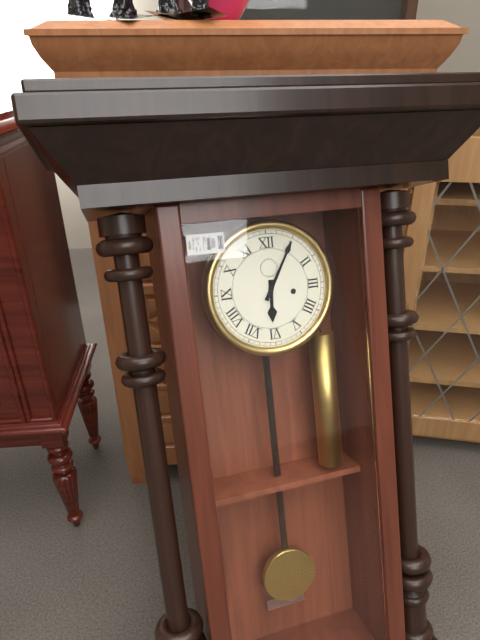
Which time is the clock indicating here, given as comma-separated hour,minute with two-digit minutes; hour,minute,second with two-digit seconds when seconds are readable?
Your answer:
6,05
